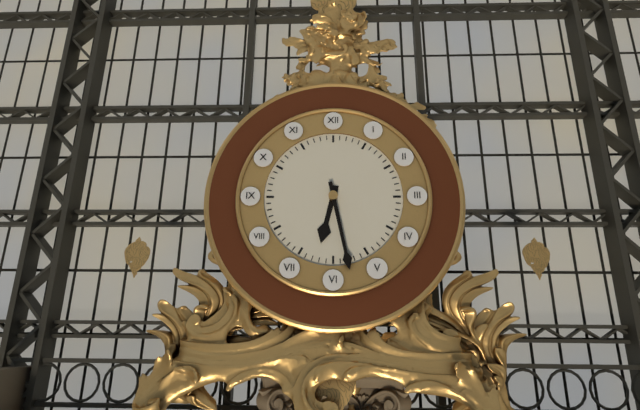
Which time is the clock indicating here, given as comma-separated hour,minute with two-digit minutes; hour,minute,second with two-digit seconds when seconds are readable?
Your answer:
6,28
